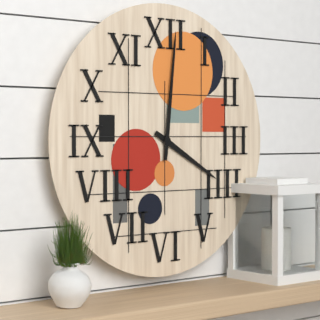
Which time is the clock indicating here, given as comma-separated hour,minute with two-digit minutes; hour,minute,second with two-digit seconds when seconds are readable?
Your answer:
4,01
